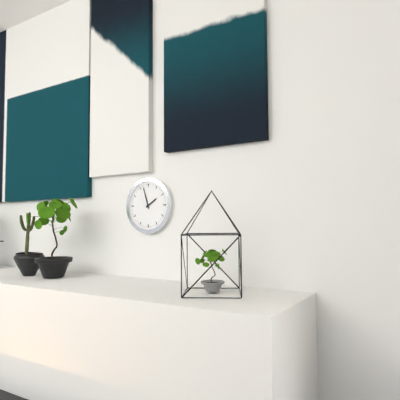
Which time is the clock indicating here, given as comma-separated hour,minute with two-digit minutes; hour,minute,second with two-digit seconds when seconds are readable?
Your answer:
1,57
